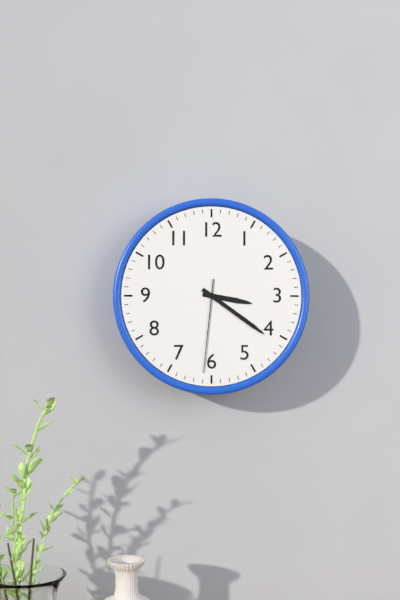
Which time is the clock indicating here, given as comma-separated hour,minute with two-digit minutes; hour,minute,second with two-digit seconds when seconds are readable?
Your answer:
3,21,31
